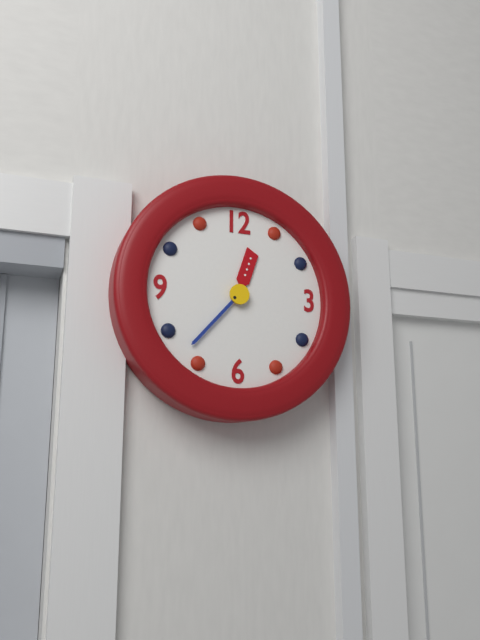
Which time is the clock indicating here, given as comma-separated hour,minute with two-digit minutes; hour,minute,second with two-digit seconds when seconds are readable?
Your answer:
12,37
